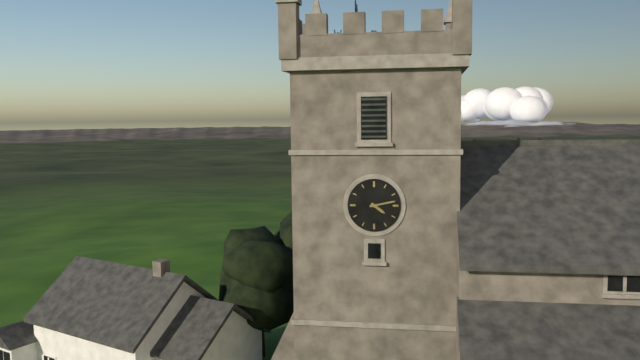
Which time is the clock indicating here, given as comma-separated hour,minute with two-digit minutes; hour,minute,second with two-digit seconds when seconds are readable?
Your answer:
4,13
